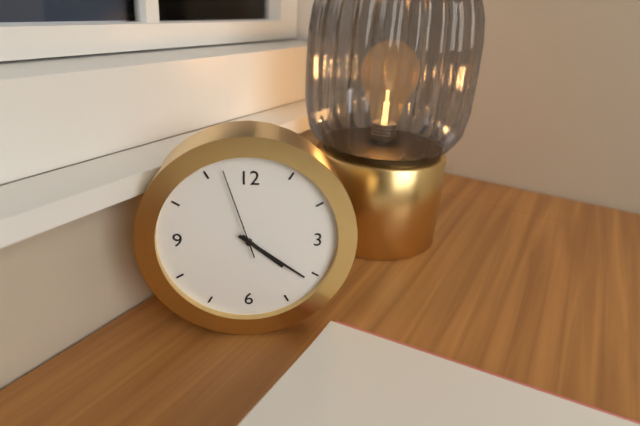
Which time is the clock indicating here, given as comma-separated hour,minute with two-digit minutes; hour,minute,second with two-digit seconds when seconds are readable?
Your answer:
4,21,57
